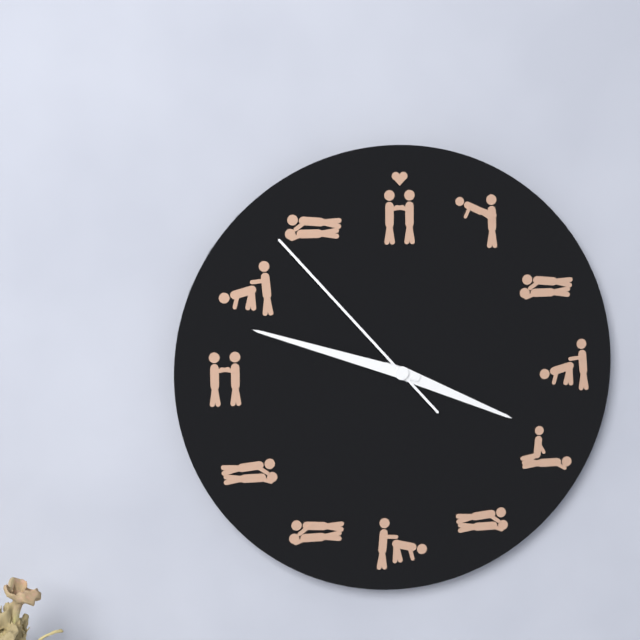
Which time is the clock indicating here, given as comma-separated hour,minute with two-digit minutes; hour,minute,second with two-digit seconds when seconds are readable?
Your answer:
3,48,53
